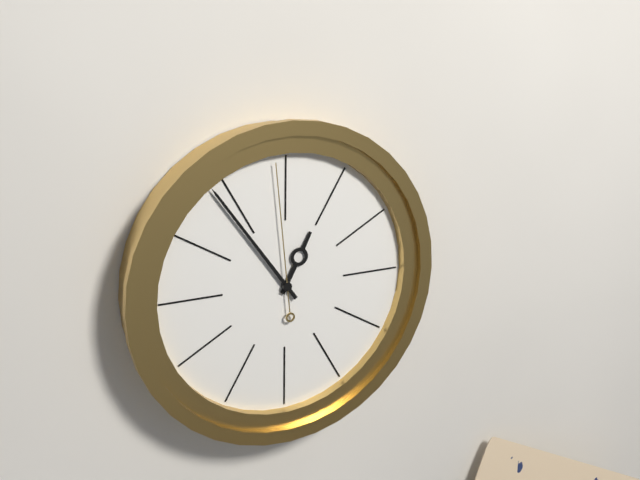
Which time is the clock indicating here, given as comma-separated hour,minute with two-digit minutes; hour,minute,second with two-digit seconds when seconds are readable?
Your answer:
12,54,59
